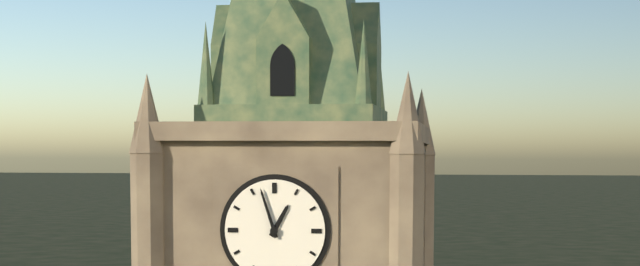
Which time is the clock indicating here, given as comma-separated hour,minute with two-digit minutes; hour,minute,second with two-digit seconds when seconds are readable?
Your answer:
12,57
